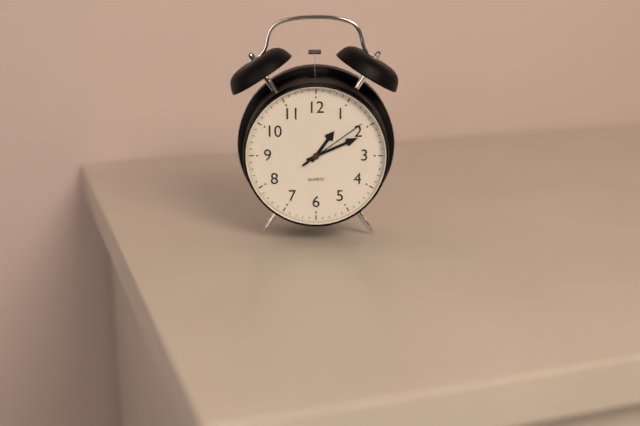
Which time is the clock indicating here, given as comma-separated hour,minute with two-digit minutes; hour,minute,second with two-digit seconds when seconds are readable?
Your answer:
1,11,09
